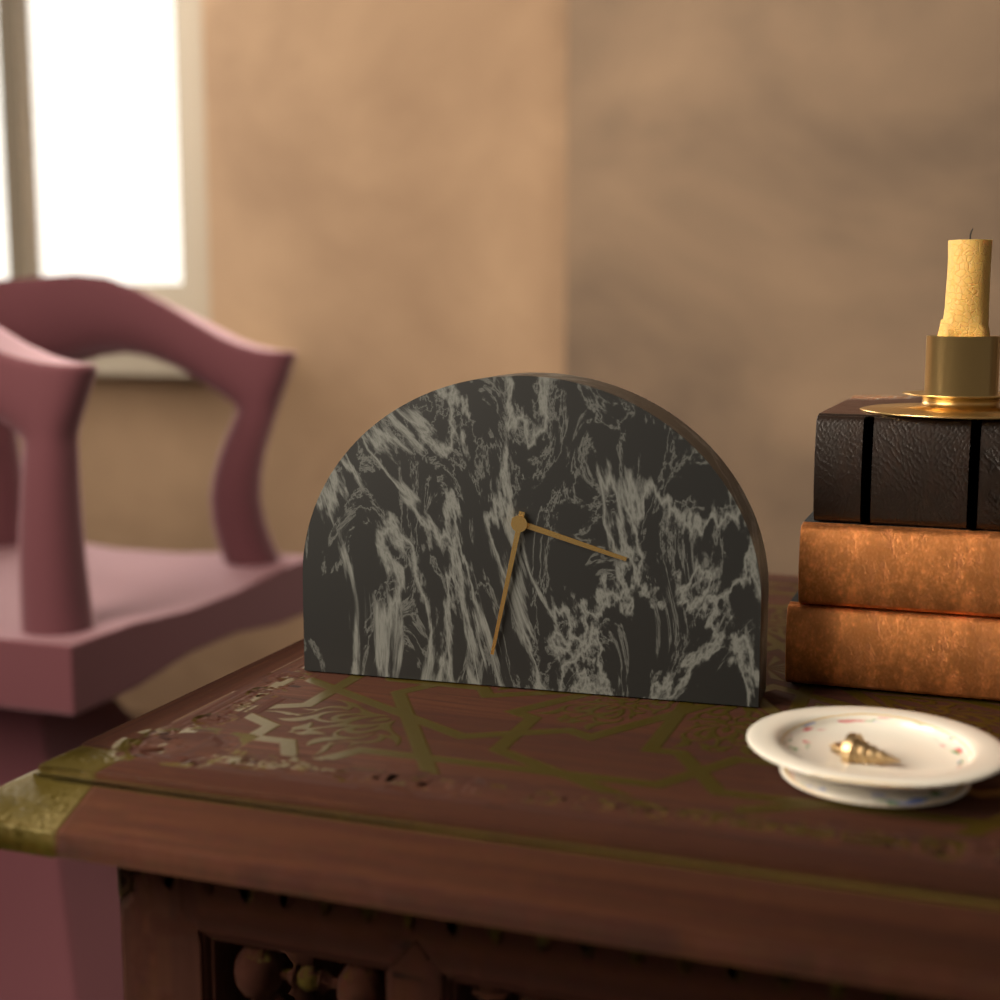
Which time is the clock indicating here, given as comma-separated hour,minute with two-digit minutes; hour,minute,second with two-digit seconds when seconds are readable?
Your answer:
3,32
